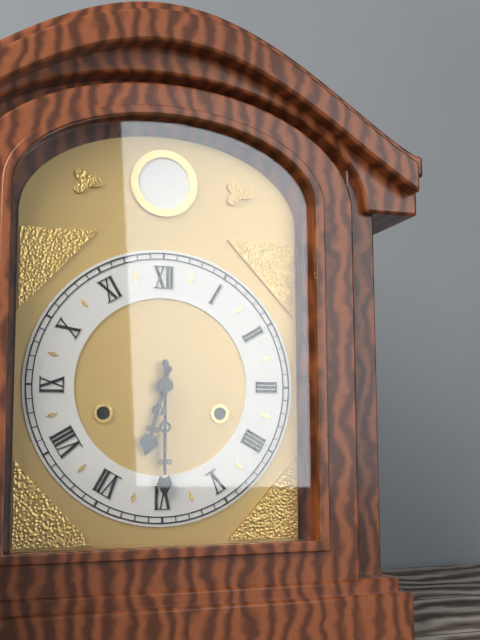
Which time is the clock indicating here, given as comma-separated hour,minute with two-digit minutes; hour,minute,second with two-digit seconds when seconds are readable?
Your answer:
6,30
